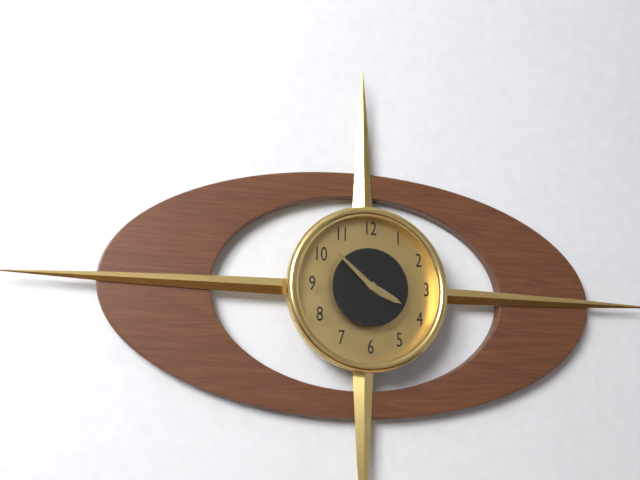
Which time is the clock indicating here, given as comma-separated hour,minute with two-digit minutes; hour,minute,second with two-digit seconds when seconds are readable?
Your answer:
3,52
